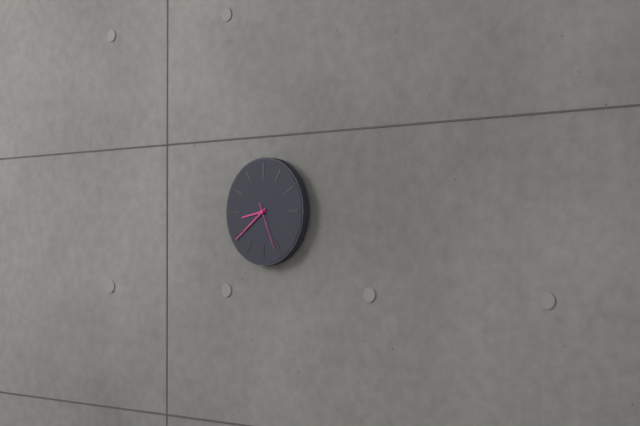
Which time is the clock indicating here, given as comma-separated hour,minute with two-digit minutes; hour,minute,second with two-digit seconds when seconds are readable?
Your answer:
8,39
